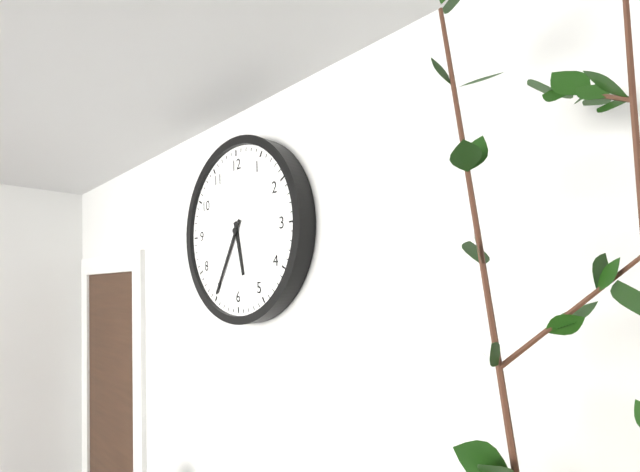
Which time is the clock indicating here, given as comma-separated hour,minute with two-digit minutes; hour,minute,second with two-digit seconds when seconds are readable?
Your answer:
5,35
